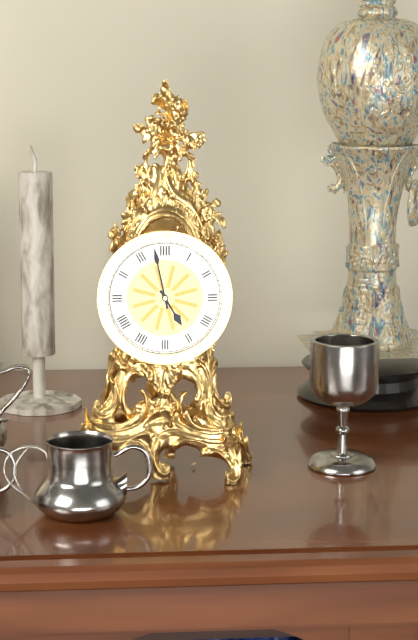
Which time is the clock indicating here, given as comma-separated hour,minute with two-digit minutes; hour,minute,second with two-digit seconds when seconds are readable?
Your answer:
4,58
